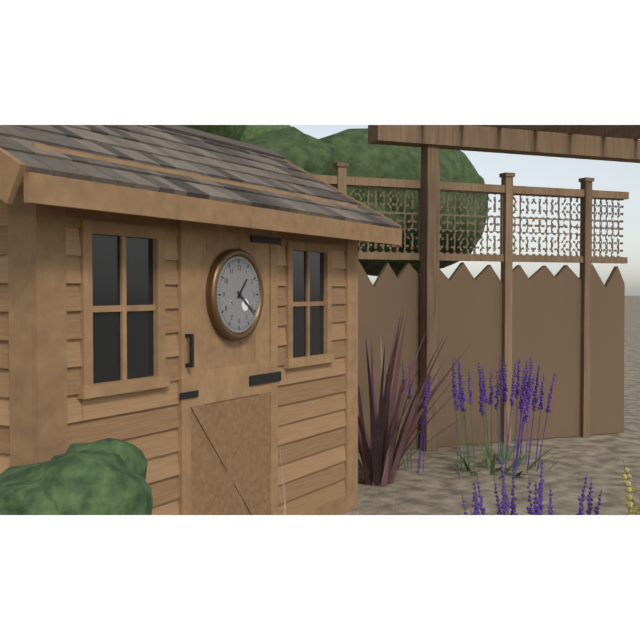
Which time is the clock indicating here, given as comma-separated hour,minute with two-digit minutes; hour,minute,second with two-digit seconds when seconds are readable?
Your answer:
1,21
